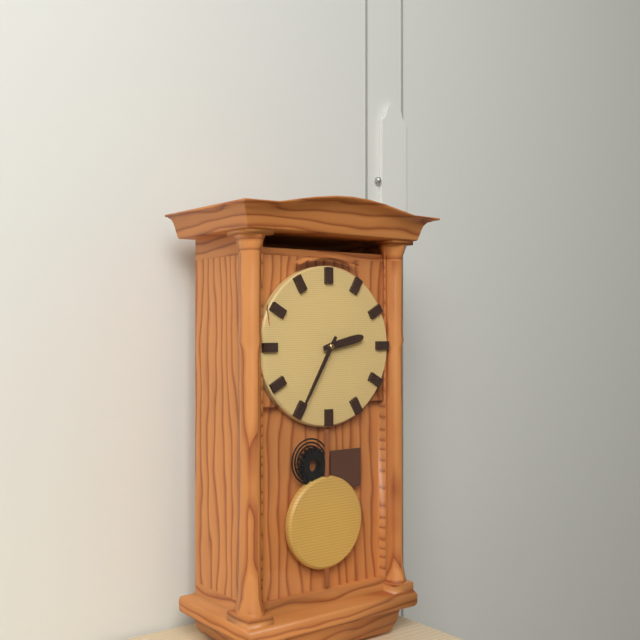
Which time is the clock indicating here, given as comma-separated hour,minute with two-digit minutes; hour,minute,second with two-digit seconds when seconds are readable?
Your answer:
2,35
